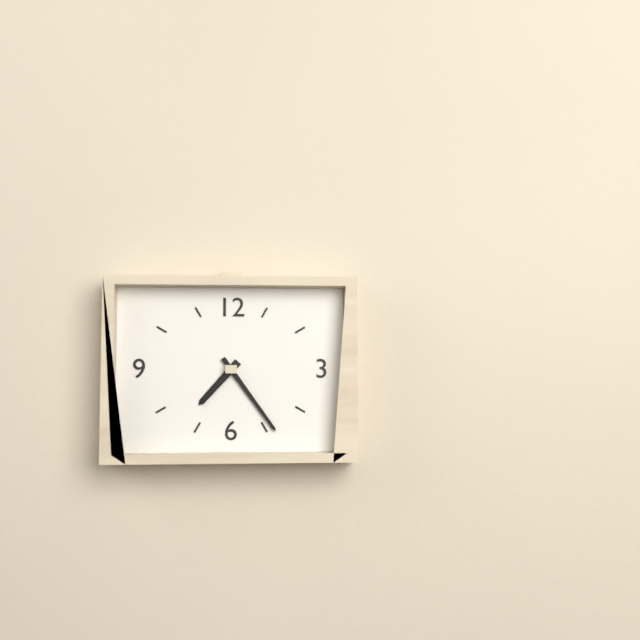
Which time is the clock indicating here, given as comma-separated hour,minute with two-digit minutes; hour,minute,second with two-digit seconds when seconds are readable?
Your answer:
7,24
